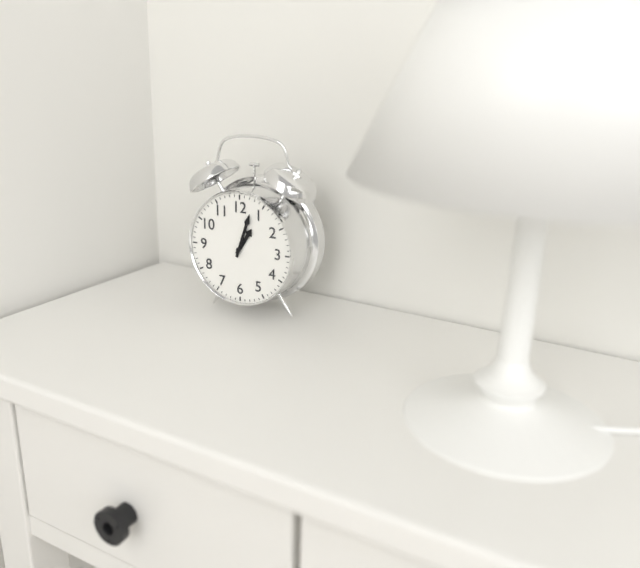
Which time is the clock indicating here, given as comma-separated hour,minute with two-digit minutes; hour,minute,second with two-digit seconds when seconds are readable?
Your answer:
1,03
